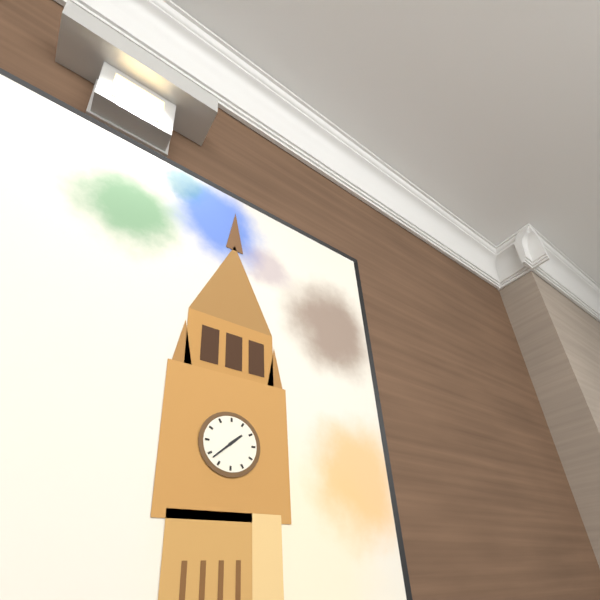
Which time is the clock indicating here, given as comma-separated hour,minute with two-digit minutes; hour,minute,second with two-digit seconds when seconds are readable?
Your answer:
1,38
